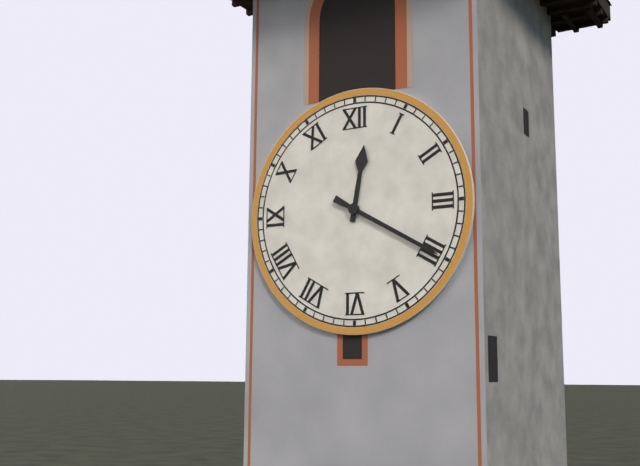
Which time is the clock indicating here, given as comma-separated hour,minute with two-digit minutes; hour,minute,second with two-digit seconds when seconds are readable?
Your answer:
12,20
